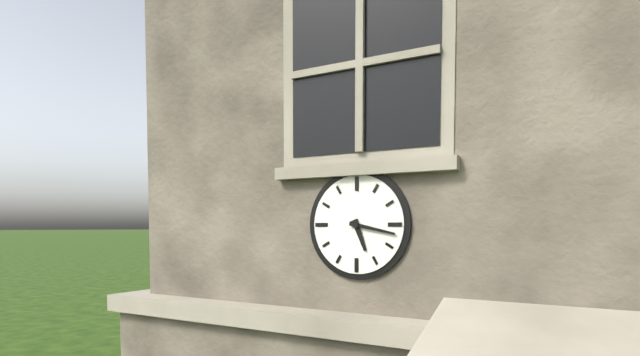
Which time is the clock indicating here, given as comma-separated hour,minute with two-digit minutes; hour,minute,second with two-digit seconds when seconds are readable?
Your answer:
5,17
